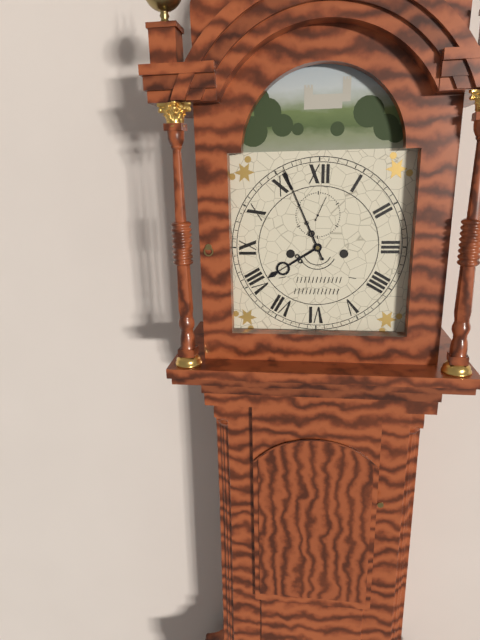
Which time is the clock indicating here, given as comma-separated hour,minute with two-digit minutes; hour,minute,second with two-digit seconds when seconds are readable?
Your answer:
7,56
